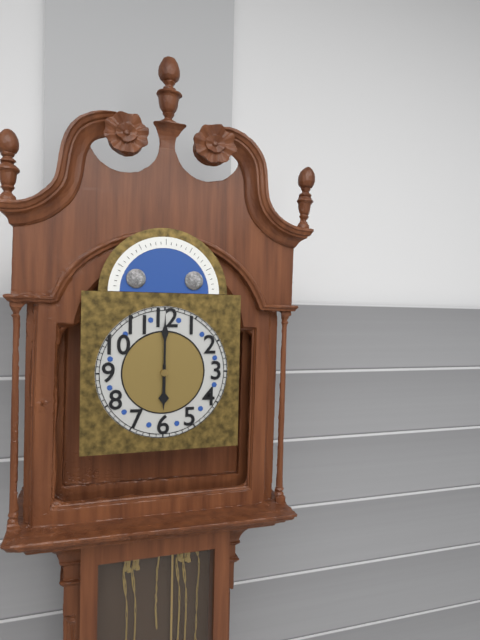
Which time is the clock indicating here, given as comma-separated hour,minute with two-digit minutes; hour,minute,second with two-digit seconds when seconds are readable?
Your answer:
6,00
